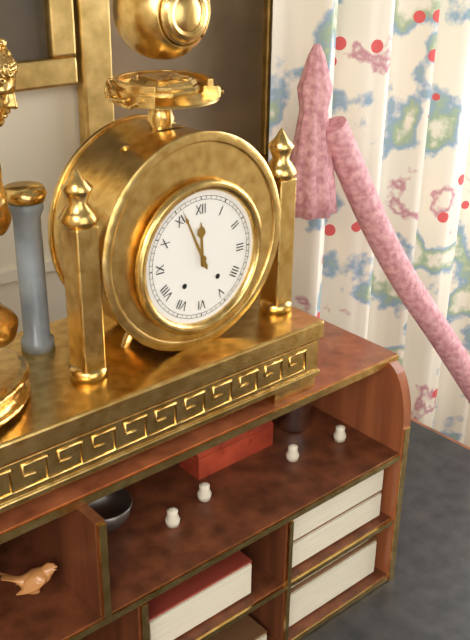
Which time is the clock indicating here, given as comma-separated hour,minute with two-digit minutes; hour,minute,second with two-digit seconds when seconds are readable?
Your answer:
11,56
